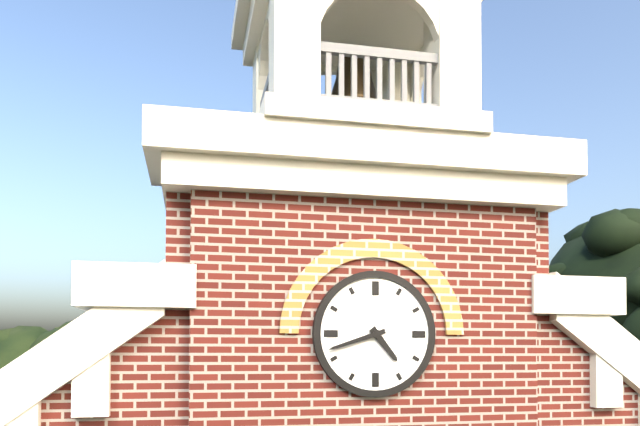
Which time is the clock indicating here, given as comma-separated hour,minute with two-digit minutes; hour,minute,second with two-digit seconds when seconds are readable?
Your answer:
4,42
